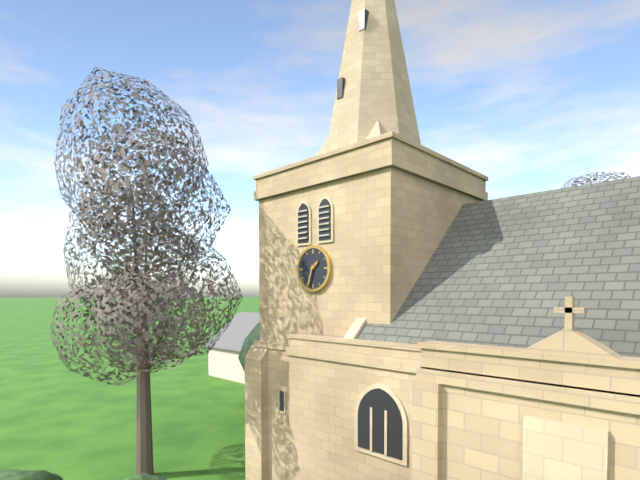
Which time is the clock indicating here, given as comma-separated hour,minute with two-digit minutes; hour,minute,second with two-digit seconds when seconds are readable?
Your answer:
1,33
